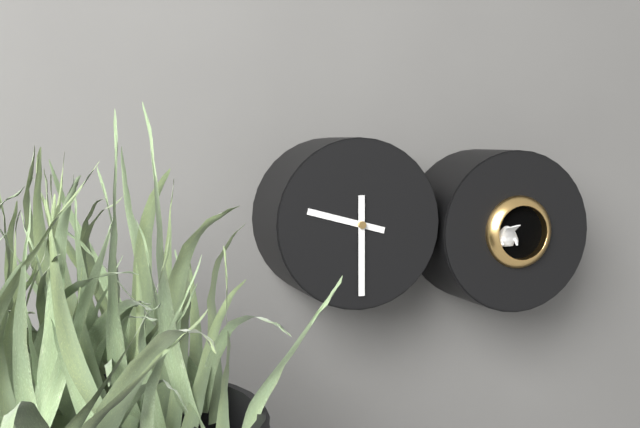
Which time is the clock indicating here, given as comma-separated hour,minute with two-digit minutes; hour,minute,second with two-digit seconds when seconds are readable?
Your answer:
9,30
